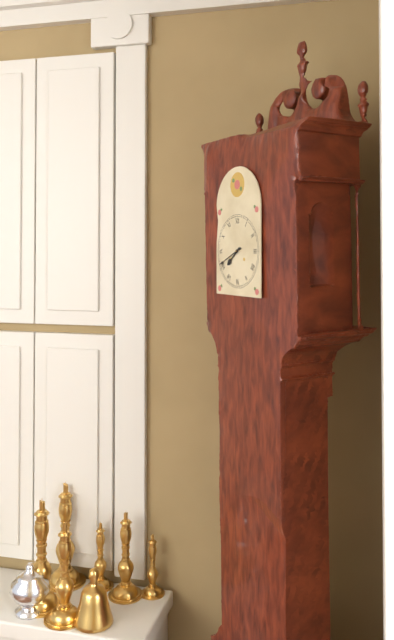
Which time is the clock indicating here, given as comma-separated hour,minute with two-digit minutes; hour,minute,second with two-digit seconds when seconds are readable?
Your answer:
7,41
